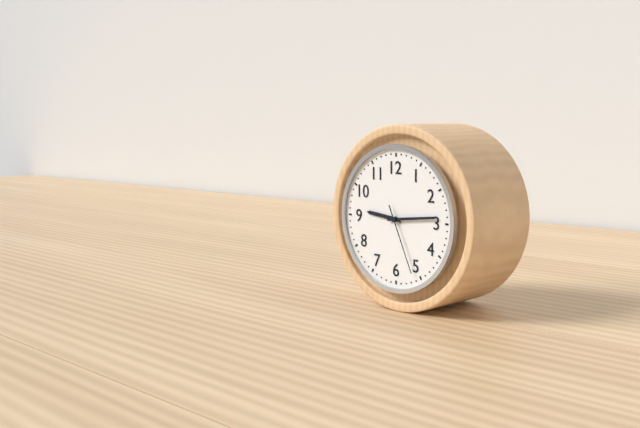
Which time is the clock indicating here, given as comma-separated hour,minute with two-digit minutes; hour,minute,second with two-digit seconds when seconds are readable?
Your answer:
9,14,26
